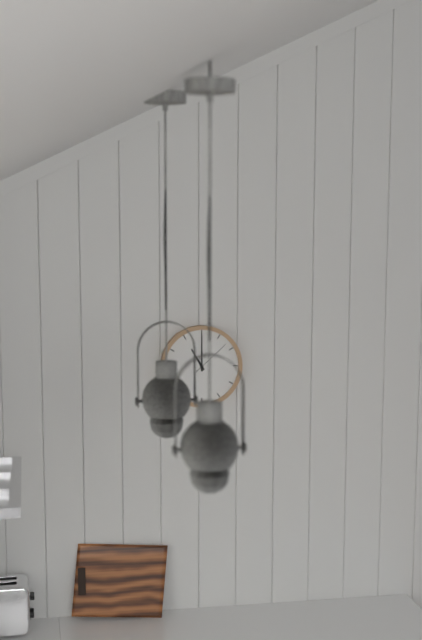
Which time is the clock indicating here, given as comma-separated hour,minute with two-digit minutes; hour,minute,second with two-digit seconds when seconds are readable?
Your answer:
11,00
